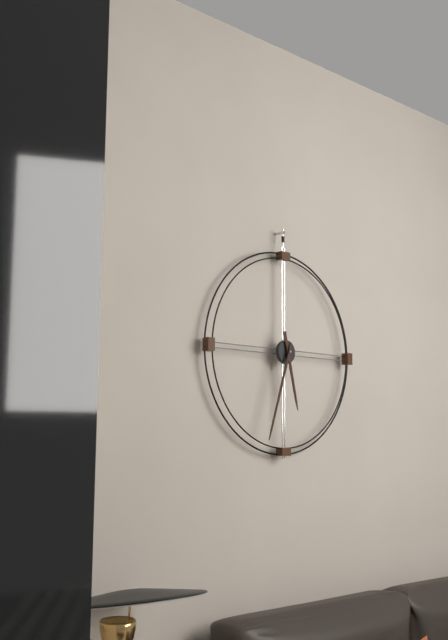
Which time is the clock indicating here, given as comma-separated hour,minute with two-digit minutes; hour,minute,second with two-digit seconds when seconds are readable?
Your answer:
5,33
